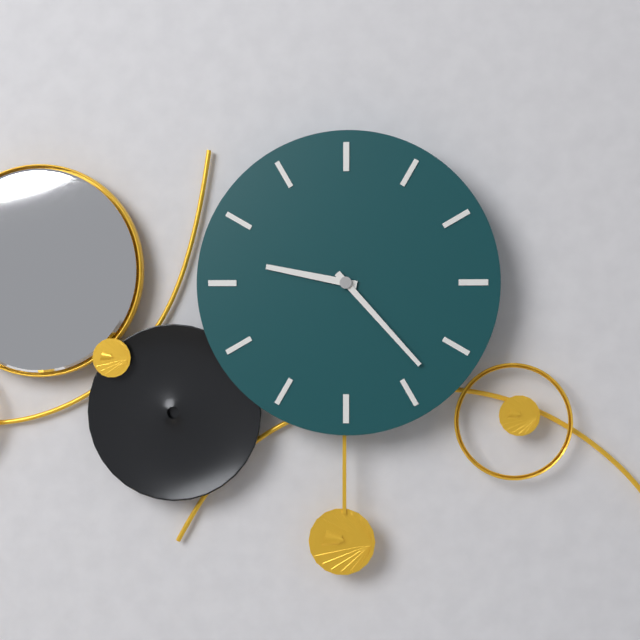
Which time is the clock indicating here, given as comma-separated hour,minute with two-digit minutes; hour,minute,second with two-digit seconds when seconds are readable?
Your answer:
9,23
